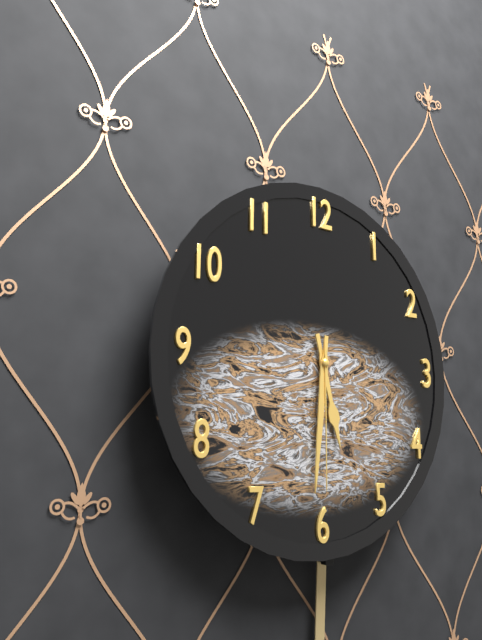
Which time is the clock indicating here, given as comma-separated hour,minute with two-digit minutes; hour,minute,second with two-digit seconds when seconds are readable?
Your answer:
5,31,30
